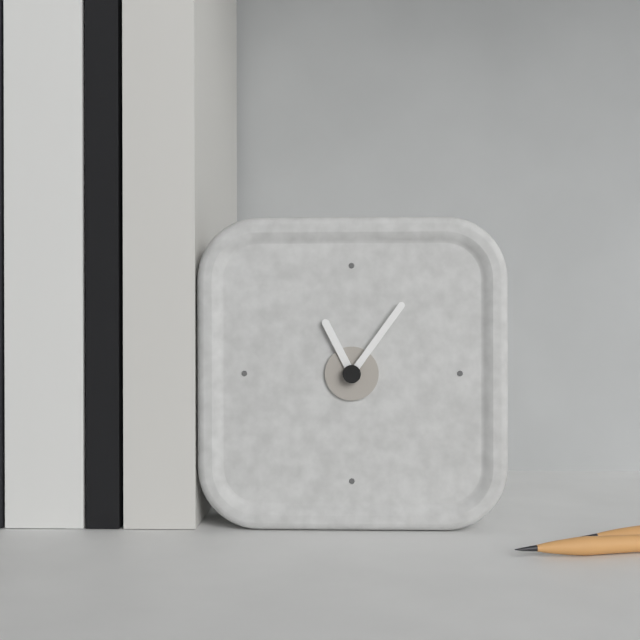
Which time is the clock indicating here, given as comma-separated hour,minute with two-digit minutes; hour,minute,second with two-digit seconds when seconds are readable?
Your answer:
11,06
